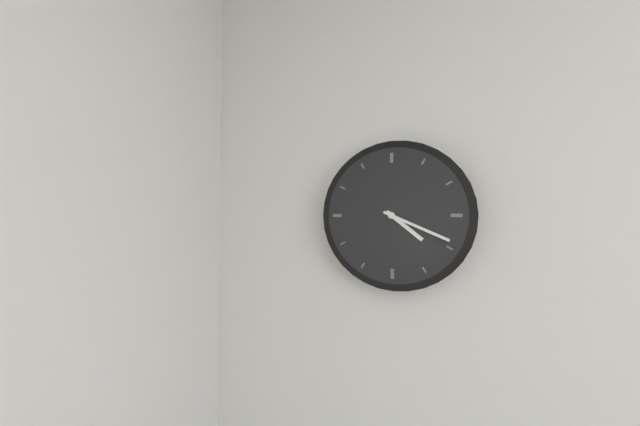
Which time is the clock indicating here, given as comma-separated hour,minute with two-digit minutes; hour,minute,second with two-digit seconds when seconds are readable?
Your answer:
4,19
